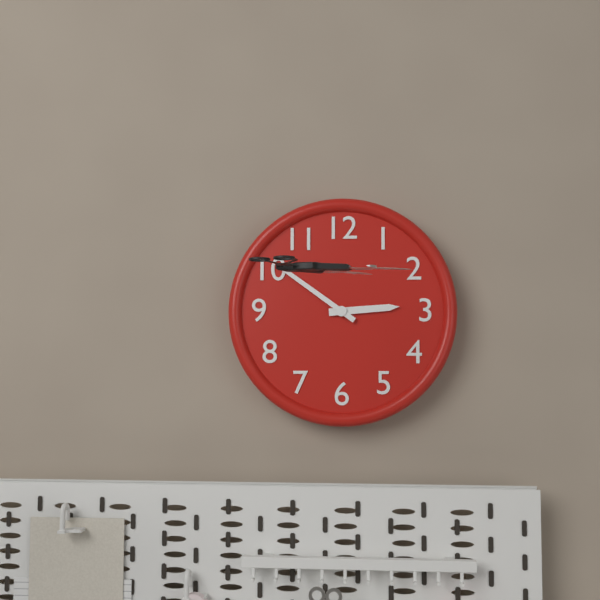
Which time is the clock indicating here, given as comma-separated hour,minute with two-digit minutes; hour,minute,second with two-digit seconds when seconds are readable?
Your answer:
2,51
